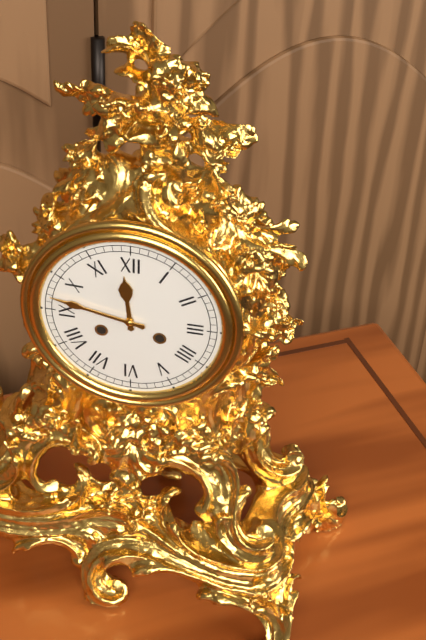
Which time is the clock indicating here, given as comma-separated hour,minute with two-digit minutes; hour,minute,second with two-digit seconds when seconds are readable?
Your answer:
11,47
